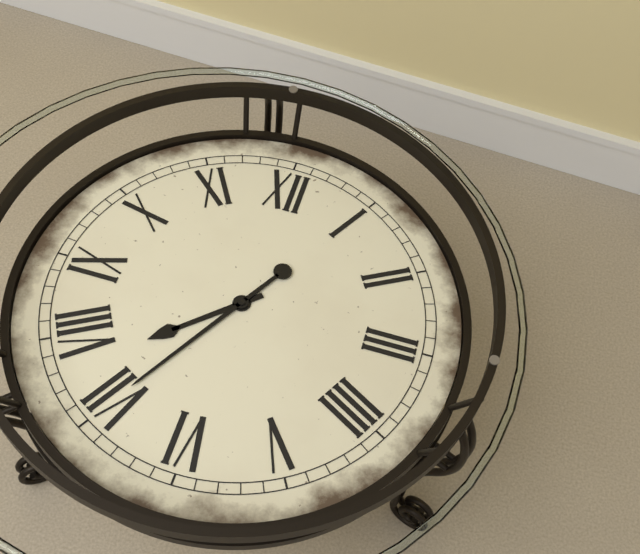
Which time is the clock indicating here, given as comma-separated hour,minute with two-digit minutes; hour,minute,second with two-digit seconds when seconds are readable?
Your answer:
7,35
